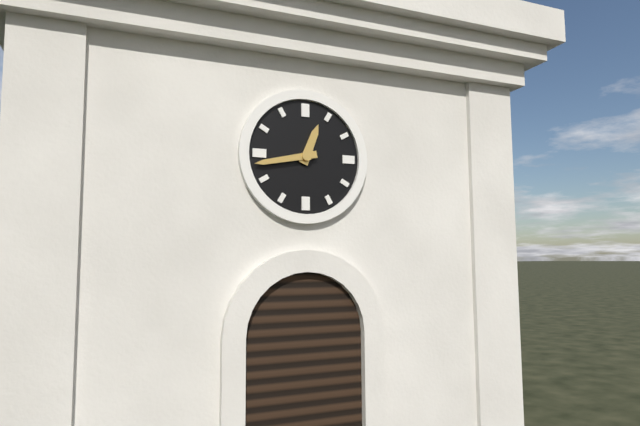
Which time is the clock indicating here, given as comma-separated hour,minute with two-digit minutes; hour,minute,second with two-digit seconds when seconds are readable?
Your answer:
12,43
